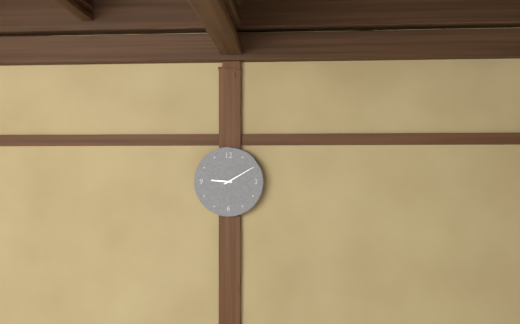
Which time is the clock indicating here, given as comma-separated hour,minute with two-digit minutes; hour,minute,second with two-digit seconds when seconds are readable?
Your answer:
9,10
